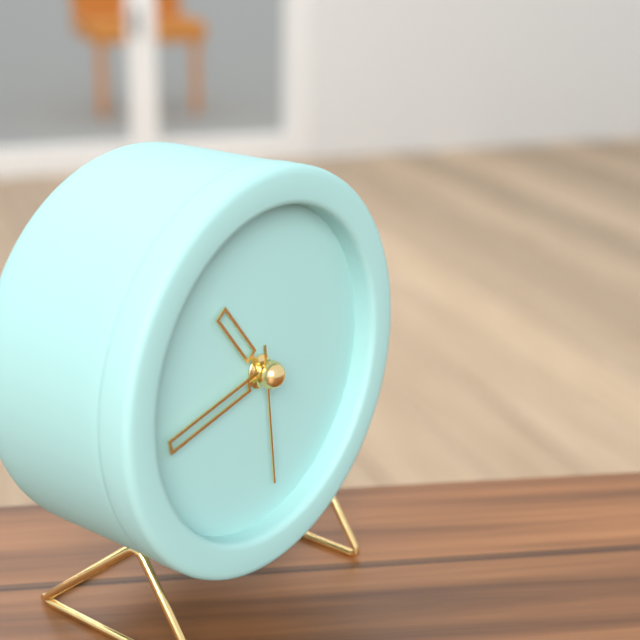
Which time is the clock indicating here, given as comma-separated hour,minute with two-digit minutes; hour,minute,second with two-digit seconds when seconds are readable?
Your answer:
10,43,29
